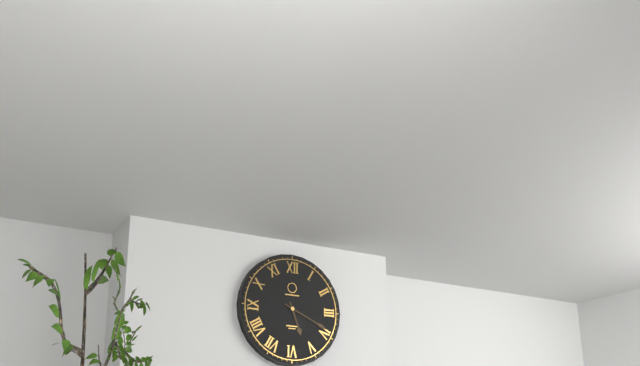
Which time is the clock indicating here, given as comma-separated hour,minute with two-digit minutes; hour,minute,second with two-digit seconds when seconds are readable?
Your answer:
5,19
